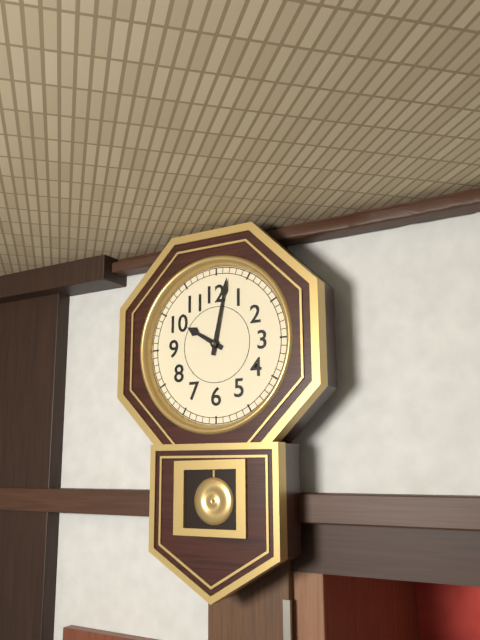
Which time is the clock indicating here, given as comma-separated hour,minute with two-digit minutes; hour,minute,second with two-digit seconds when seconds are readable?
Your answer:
10,02
